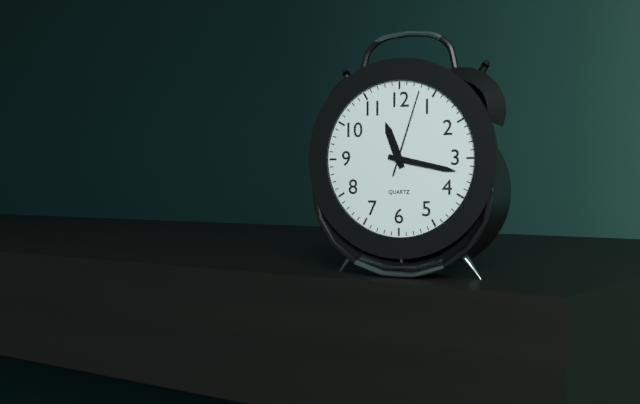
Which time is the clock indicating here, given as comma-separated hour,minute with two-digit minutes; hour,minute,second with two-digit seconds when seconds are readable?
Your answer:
11,17,03
